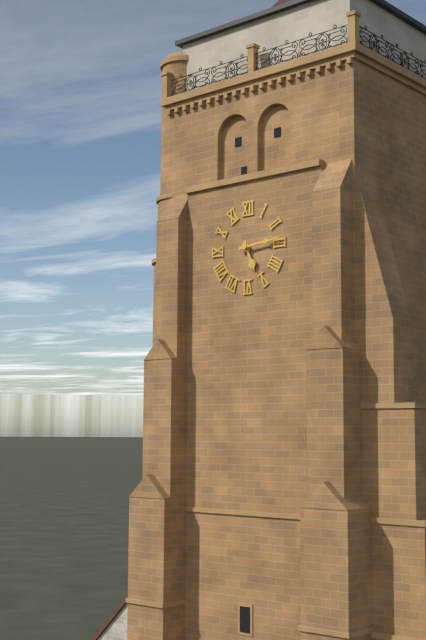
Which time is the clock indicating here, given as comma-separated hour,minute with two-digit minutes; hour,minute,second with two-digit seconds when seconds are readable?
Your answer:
5,14
